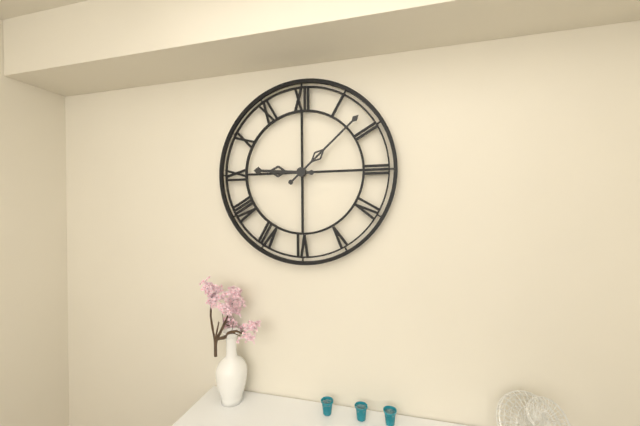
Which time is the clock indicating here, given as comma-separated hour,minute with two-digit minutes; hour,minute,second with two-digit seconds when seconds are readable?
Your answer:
9,08
